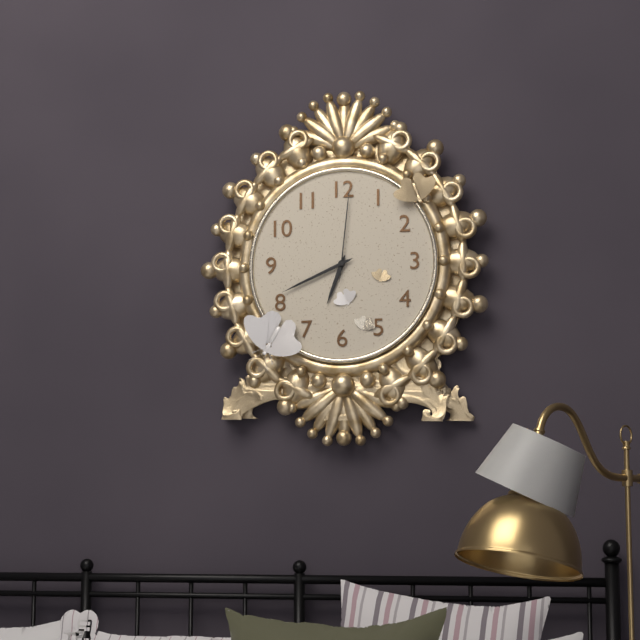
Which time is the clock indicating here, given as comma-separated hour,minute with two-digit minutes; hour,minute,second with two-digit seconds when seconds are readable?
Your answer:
6,41,01
